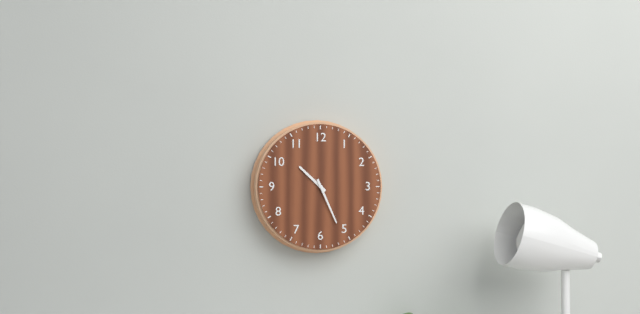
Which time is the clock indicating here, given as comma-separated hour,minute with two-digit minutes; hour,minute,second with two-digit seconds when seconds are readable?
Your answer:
10,26
